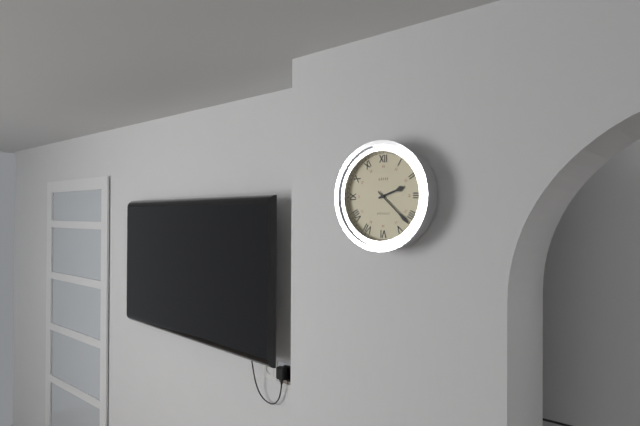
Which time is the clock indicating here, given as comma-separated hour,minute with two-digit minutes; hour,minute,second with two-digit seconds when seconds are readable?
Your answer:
2,22
